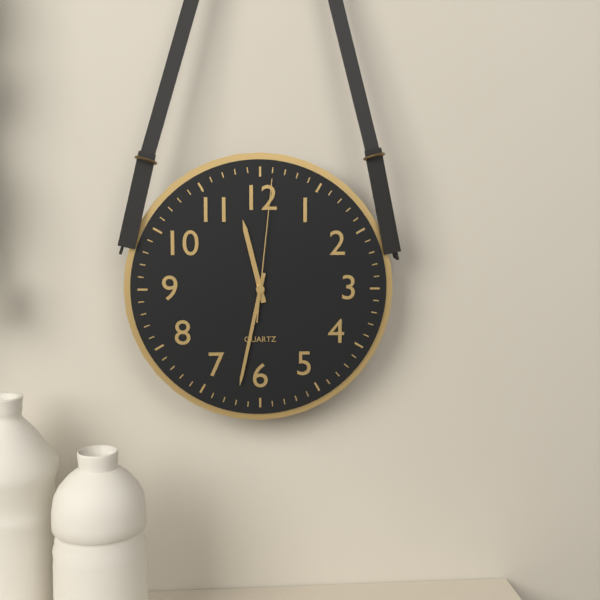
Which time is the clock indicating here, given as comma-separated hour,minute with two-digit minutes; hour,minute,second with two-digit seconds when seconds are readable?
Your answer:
11,32,01
